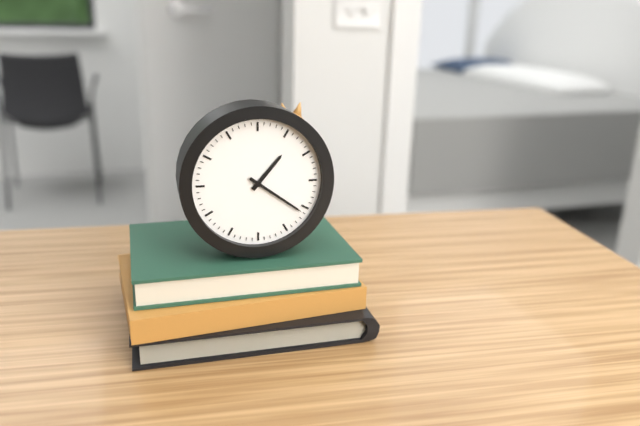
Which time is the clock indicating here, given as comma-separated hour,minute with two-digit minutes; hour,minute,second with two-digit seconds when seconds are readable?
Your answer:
1,21
